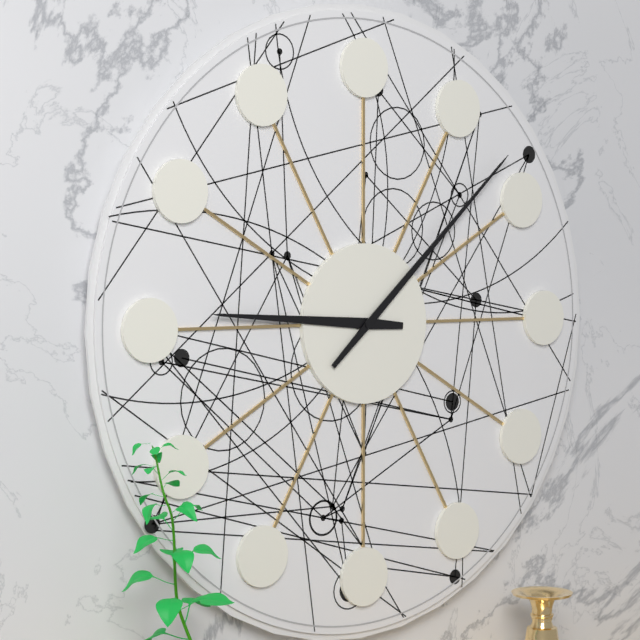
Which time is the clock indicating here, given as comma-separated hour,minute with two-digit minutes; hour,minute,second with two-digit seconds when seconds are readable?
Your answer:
9,08
